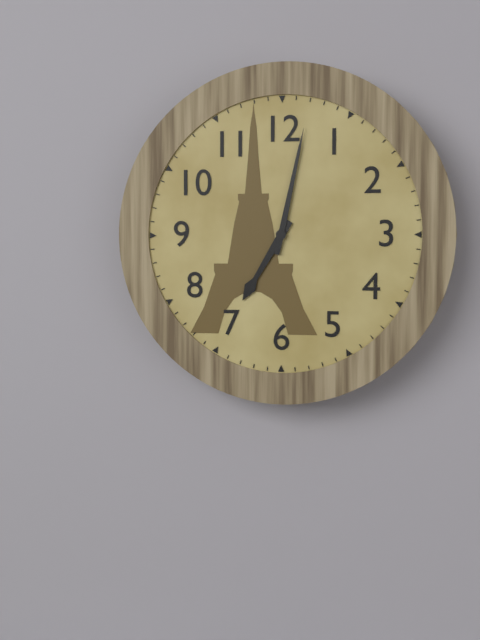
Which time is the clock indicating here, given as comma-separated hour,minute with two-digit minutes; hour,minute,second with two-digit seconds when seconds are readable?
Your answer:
7,02
